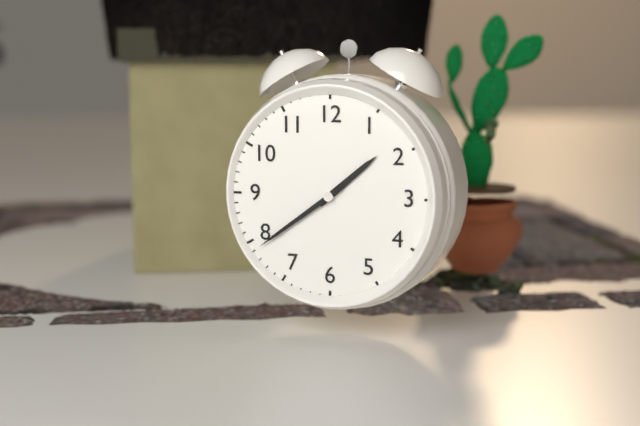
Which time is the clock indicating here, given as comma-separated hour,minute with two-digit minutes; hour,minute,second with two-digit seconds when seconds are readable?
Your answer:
1,39
